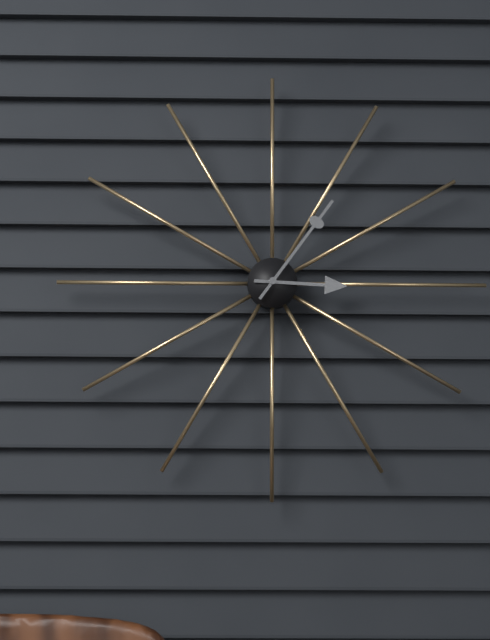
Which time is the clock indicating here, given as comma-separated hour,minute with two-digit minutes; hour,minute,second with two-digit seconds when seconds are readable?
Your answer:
3,06
